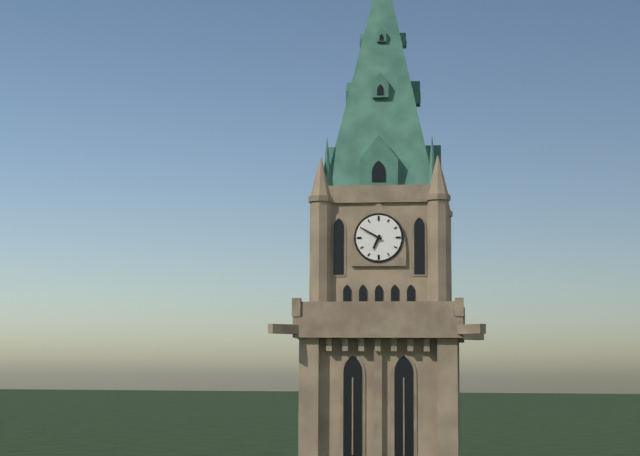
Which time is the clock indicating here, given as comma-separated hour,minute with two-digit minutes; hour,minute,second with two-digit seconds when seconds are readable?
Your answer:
6,50
